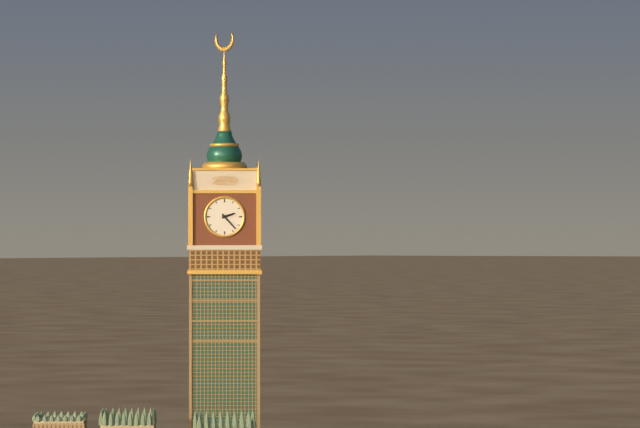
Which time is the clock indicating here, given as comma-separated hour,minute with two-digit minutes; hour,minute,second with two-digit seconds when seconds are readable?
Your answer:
2,23
